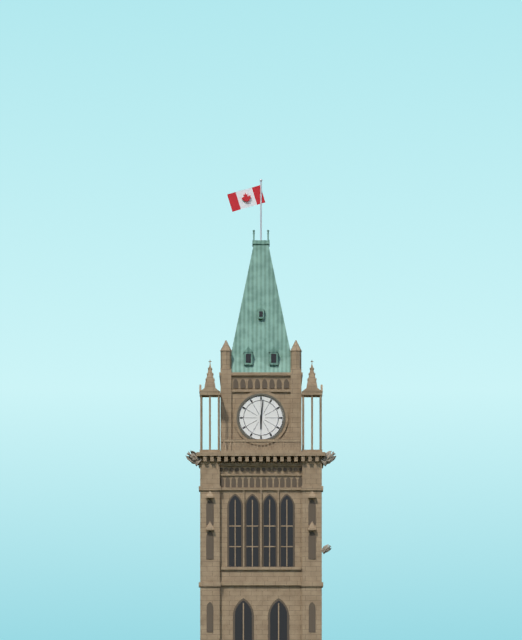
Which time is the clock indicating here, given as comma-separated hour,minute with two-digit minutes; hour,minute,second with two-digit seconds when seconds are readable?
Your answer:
6,01
